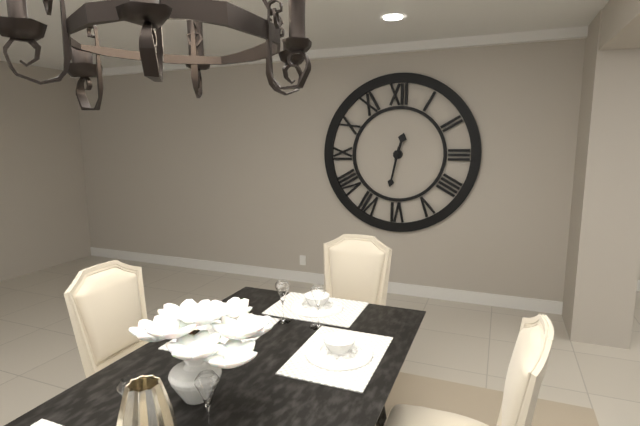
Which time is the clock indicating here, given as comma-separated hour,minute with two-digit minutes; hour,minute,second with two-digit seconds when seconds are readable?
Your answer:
12,32
